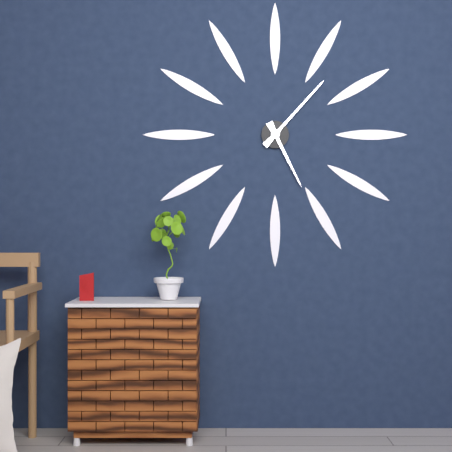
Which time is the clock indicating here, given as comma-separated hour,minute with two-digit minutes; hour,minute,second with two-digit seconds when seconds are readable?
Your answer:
5,07
